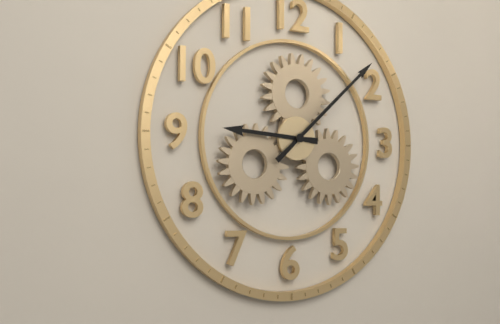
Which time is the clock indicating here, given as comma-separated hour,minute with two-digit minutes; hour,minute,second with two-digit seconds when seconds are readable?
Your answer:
9,08
